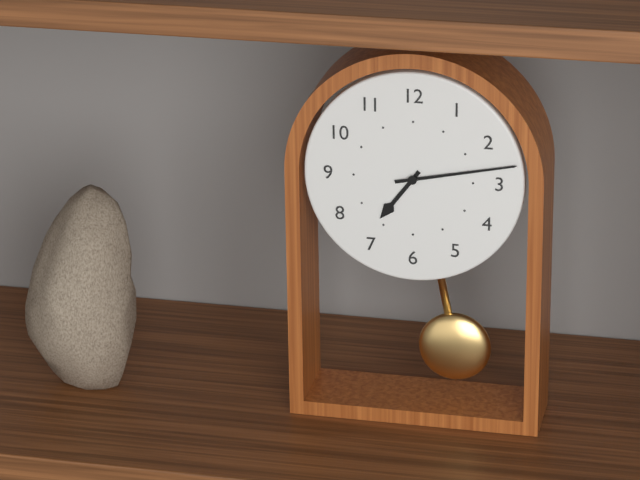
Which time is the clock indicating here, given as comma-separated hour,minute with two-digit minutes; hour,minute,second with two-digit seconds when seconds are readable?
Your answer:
7,13
